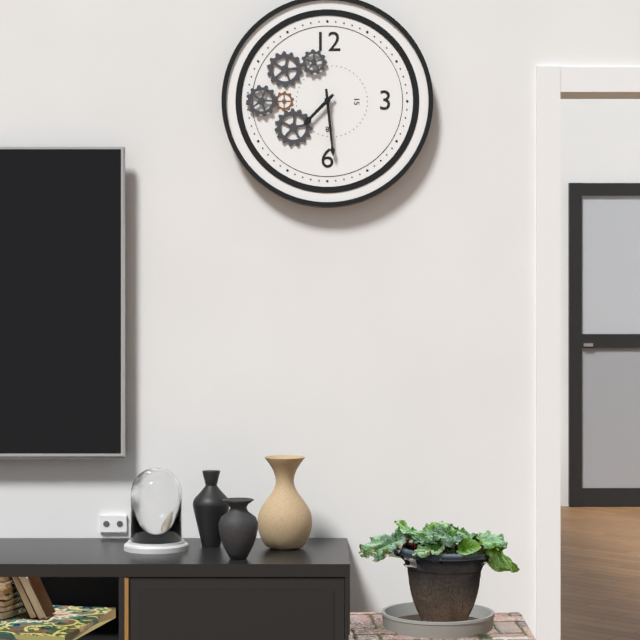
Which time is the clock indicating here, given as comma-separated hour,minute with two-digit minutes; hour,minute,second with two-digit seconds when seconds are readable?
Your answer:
7,29
